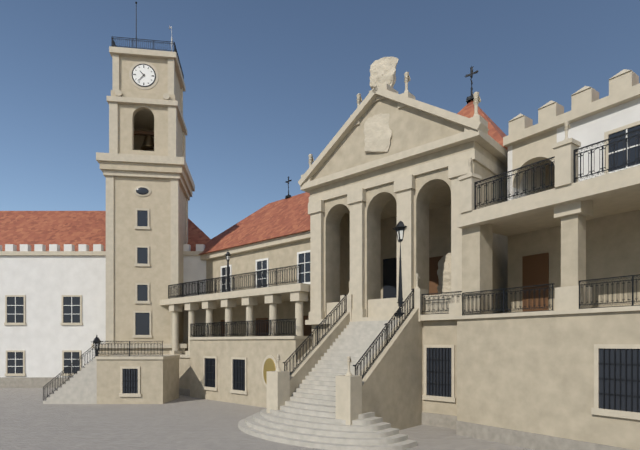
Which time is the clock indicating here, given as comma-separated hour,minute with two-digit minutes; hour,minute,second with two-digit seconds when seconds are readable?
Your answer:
10,37
